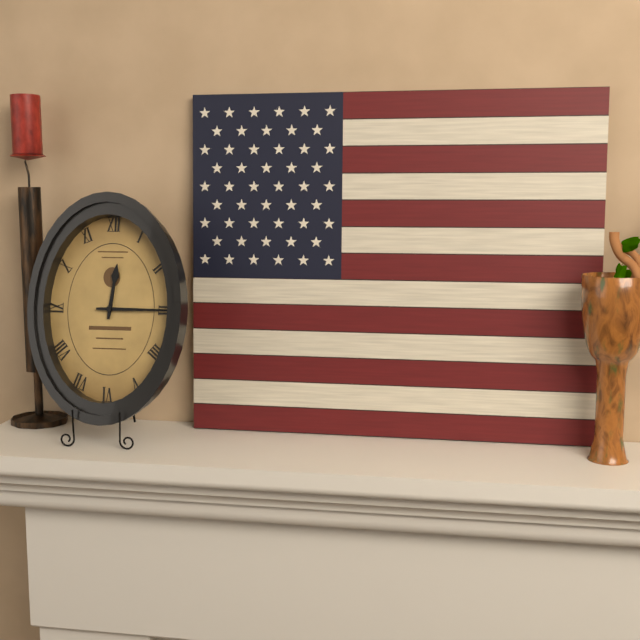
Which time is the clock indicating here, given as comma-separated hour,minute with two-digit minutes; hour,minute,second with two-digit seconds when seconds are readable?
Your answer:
12,15
